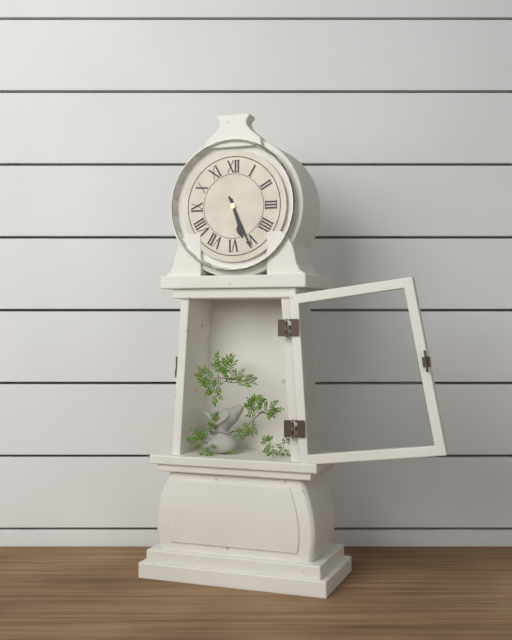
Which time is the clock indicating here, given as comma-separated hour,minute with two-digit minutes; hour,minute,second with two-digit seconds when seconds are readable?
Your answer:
5,26
